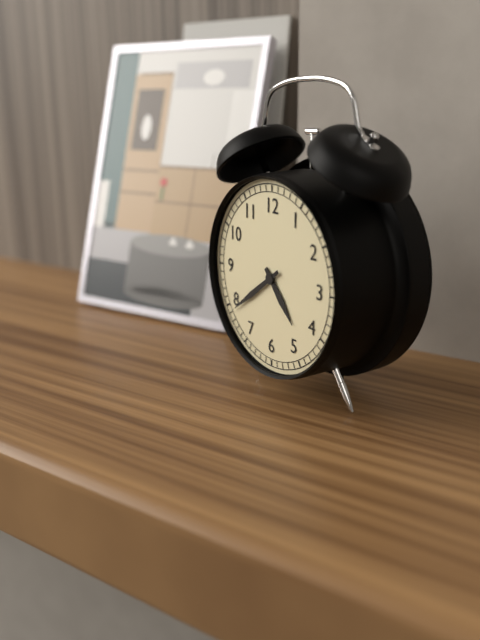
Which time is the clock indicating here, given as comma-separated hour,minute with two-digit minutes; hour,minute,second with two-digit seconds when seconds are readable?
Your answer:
4,39
